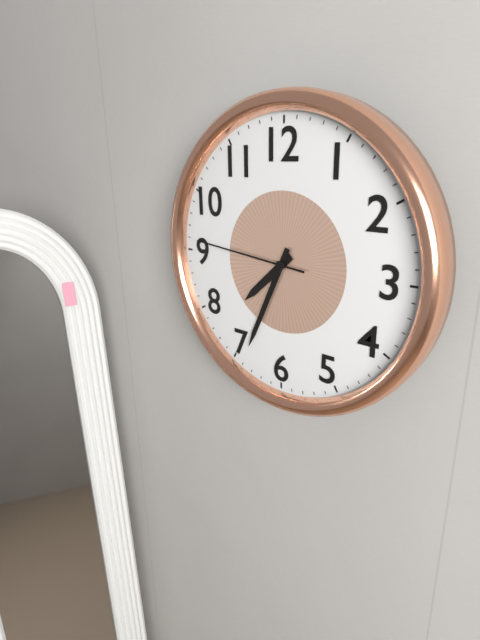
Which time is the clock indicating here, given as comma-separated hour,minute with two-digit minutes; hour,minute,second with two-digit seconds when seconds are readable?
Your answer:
7,34,46
